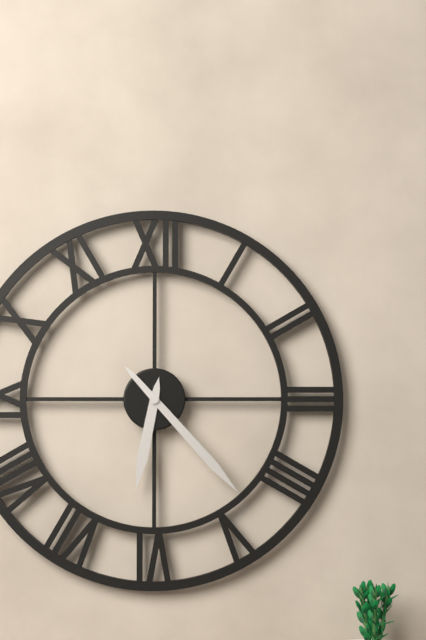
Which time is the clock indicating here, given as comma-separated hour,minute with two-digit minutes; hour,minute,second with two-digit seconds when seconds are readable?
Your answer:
6,23
